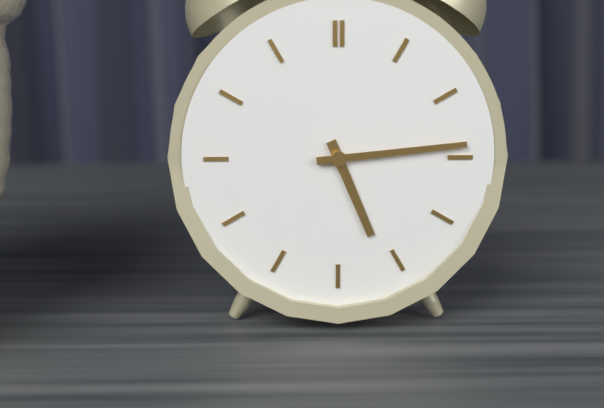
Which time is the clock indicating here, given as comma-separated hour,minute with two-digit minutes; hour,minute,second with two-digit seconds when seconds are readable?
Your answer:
5,14
